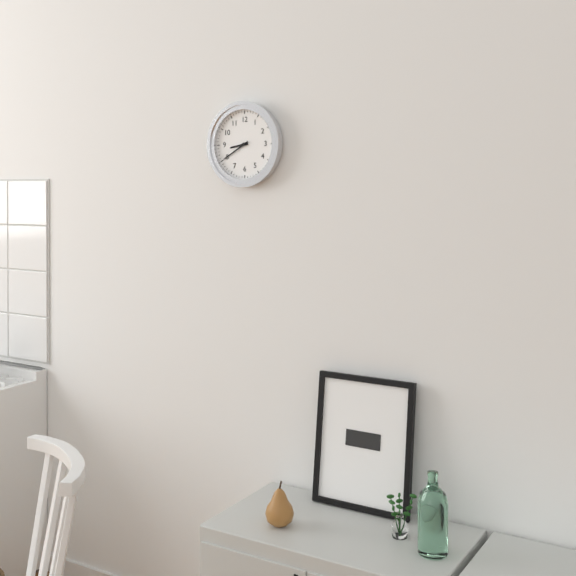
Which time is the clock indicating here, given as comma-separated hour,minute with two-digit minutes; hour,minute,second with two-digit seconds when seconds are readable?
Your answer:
8,40
